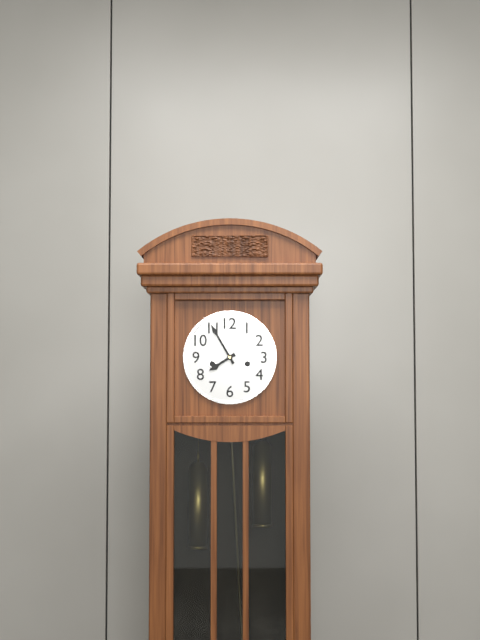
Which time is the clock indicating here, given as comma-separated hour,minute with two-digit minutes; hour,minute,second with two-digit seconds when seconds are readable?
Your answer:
7,55
